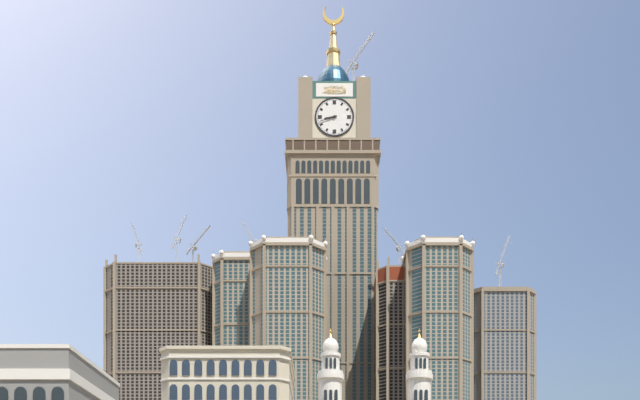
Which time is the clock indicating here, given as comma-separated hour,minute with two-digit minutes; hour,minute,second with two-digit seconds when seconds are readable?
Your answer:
8,42
